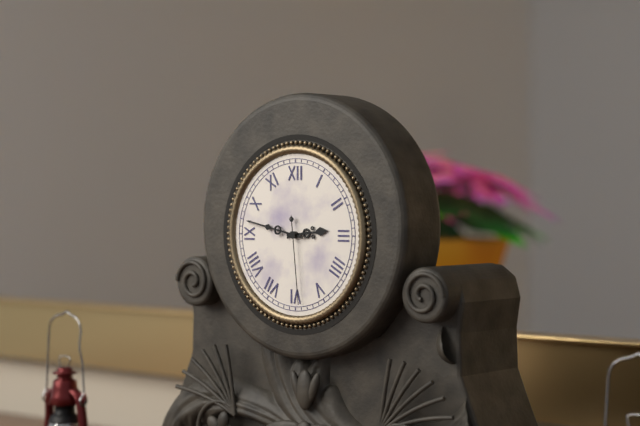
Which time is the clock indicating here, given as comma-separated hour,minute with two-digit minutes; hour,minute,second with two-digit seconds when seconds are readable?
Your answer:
2,47,29
